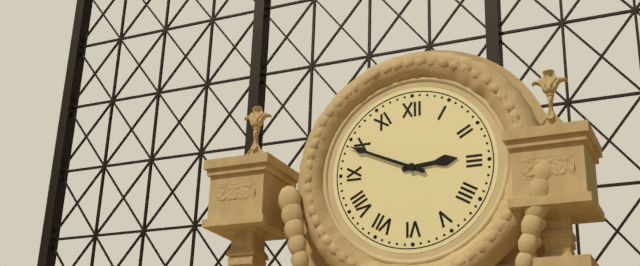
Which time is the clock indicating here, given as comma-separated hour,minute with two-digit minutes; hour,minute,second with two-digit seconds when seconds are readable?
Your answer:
2,49
